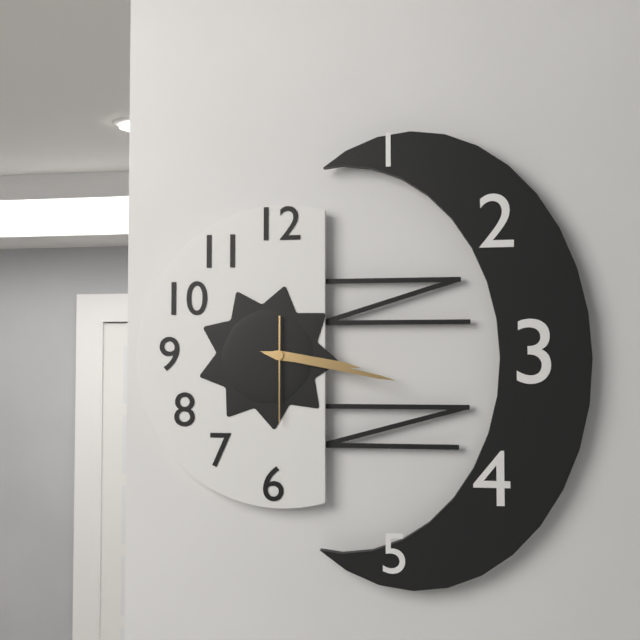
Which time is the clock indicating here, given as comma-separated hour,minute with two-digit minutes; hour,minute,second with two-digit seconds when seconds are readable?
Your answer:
3,17,30
